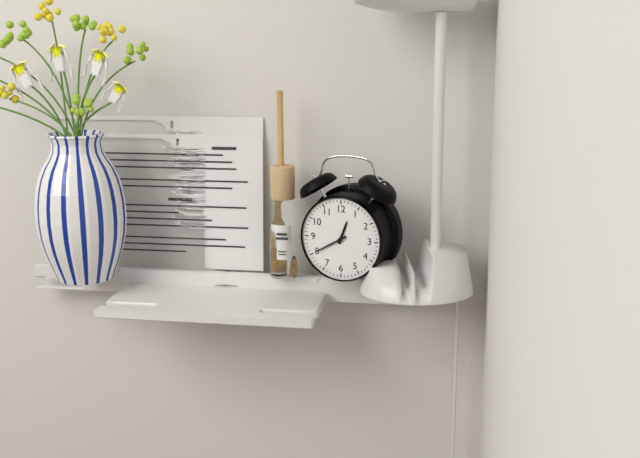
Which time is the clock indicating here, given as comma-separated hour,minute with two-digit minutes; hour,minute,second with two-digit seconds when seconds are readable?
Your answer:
12,40
